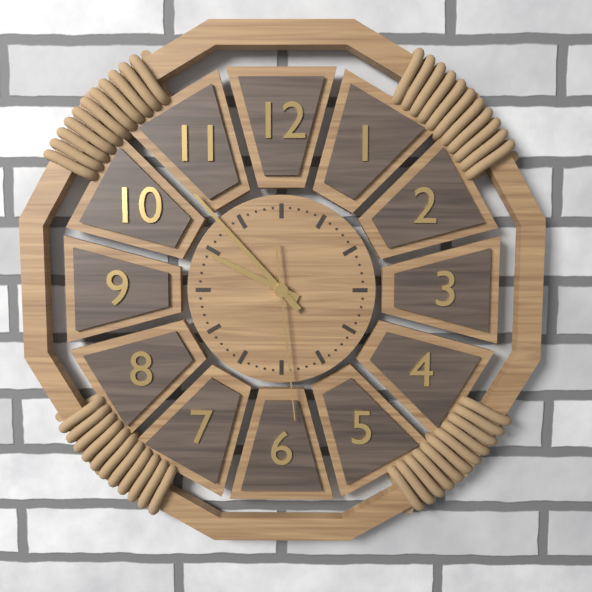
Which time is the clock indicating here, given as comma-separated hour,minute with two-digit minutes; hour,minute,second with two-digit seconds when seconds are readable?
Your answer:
9,53,29
